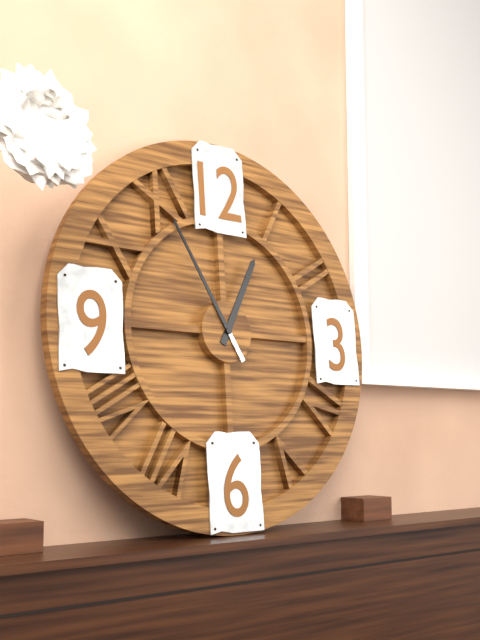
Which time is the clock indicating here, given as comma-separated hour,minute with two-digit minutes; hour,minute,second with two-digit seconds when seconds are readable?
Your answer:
12,55
